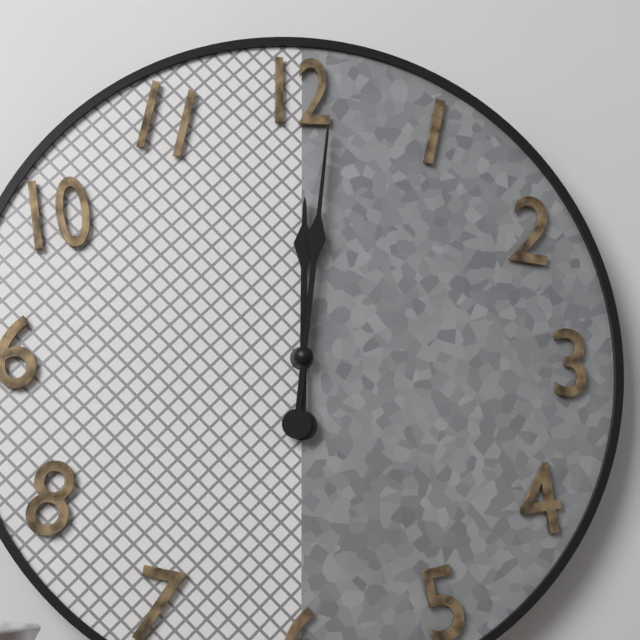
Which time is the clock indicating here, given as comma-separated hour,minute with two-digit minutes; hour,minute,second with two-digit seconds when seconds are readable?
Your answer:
12,01
